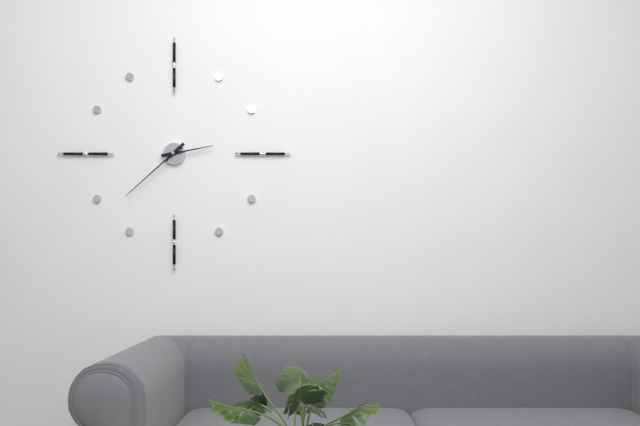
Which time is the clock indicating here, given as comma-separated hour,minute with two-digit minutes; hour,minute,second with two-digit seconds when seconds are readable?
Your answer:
2,38
